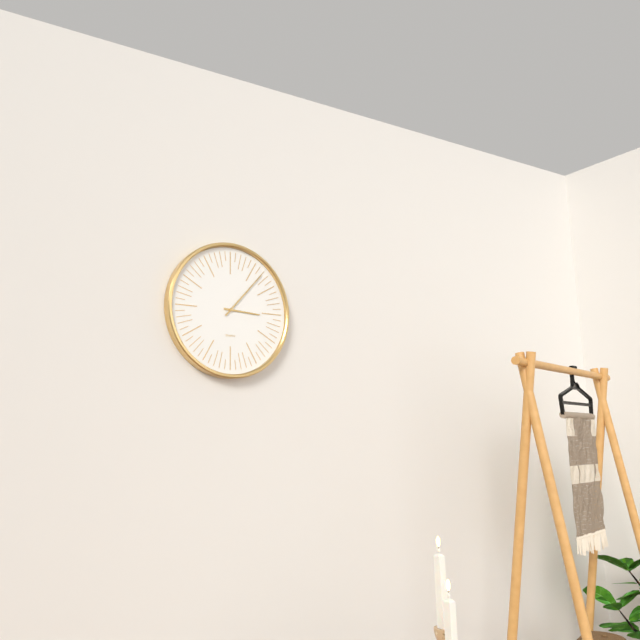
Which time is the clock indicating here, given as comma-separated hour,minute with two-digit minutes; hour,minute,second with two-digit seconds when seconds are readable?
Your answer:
3,07
